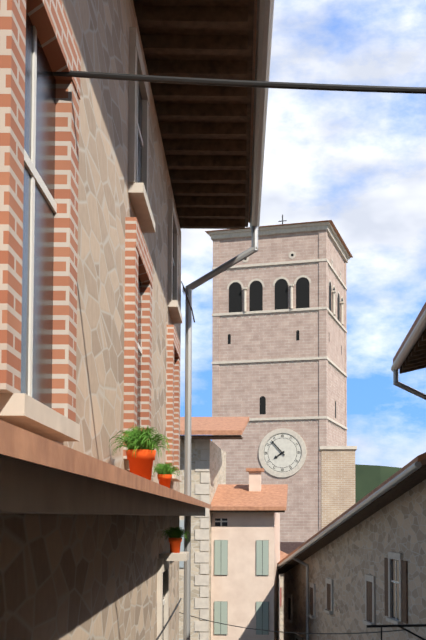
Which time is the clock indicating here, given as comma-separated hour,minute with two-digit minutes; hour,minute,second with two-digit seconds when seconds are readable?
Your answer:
7,53
